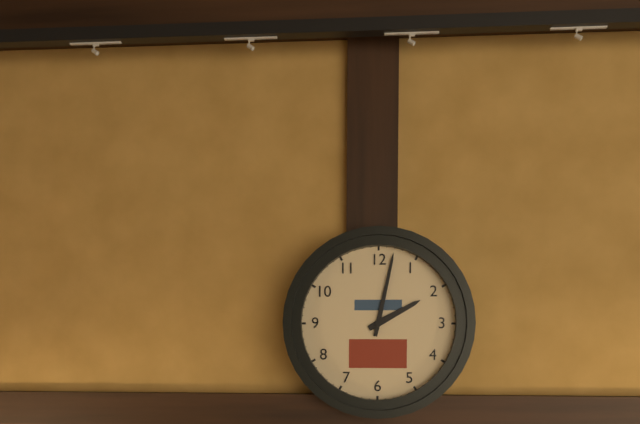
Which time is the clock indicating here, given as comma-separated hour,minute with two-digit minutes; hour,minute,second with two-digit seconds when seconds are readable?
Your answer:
2,02
